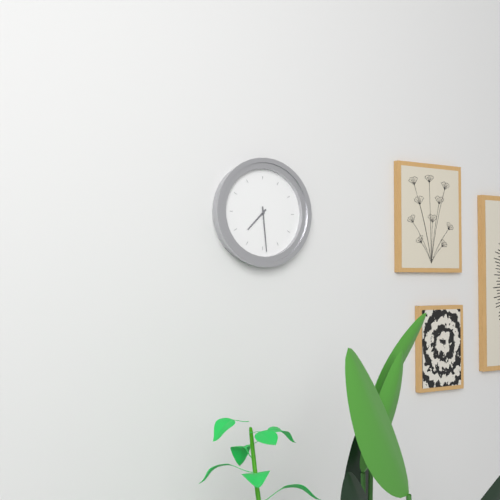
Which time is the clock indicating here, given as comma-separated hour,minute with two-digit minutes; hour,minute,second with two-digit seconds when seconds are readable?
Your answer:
7,29
